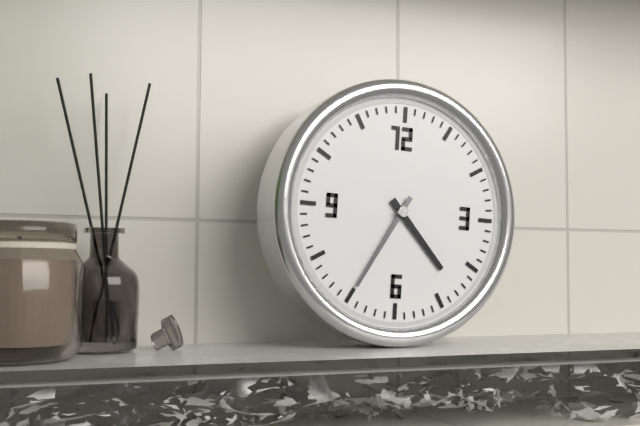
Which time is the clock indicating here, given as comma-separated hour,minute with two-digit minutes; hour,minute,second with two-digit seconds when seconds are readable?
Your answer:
4,35
